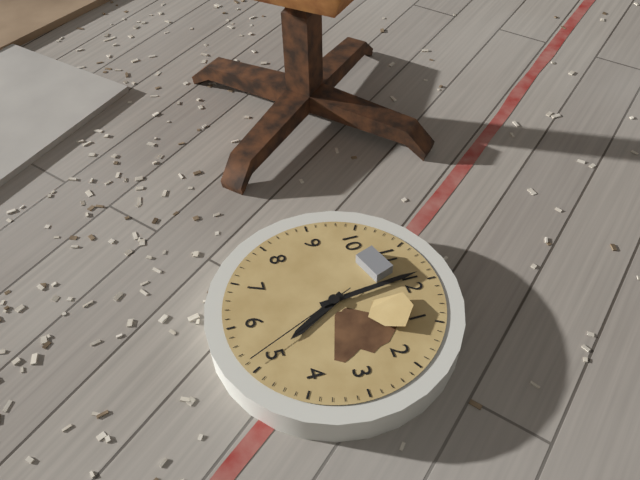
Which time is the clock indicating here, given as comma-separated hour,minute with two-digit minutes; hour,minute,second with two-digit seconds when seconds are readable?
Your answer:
4,59,26
